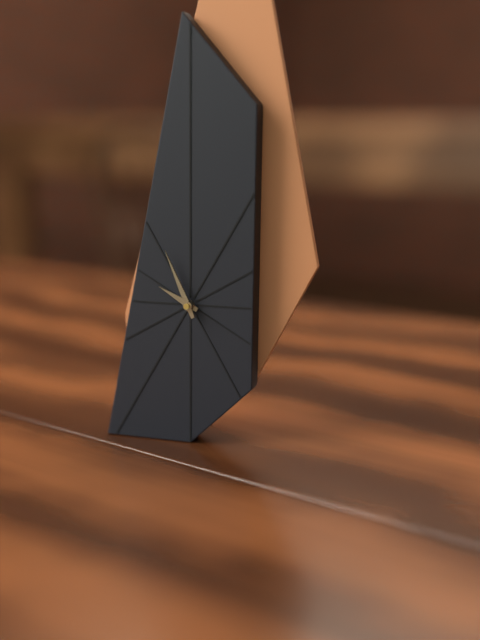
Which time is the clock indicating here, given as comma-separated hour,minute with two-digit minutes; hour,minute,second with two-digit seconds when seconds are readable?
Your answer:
9,56
